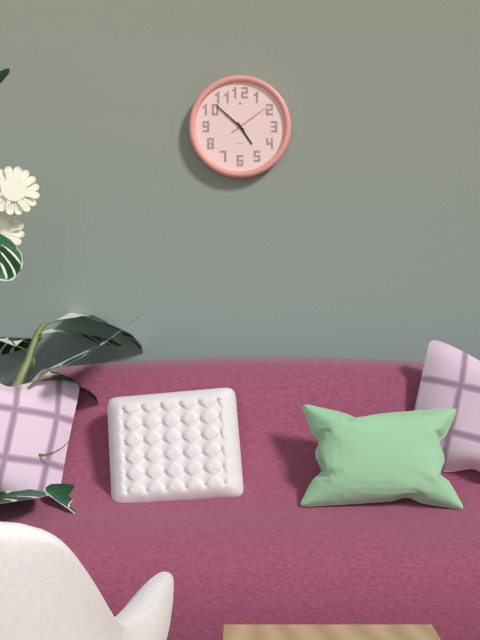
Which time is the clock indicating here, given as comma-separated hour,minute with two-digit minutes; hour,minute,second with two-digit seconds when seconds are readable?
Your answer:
4,52
